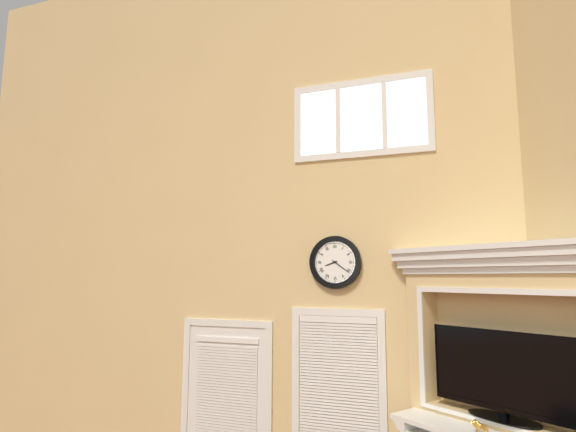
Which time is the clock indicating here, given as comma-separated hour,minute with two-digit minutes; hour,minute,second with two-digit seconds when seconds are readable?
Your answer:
8,21
